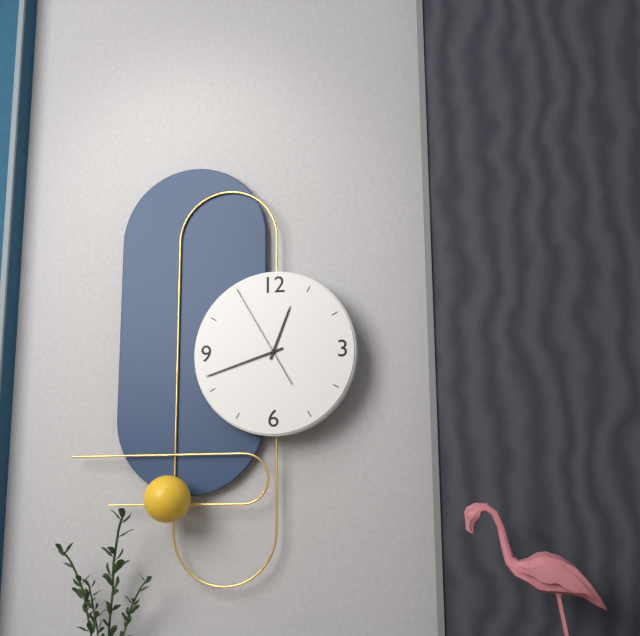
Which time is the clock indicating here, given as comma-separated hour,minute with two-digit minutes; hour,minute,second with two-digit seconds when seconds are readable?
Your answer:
12,42,55
